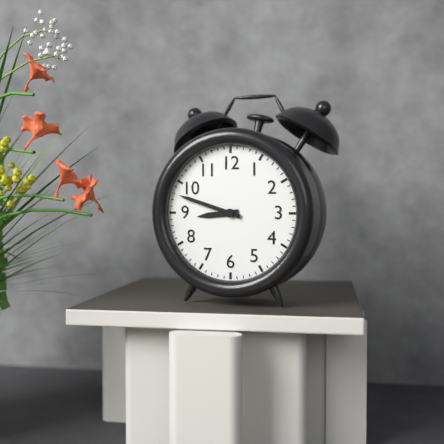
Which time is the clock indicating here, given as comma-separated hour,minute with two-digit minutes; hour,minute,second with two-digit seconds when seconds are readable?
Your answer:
8,48
